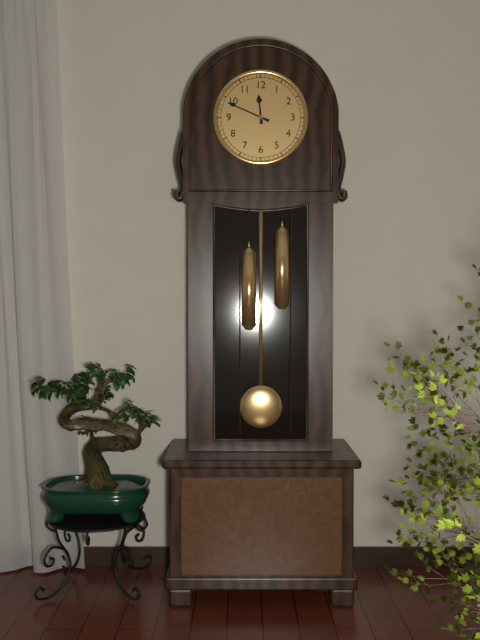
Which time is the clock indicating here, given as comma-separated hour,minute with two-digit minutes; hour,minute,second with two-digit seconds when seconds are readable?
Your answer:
11,49
